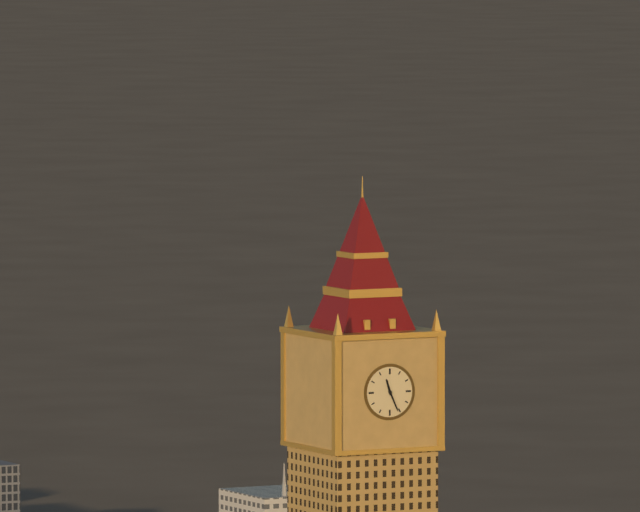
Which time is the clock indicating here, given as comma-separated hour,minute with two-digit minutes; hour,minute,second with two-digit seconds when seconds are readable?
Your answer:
11,26
